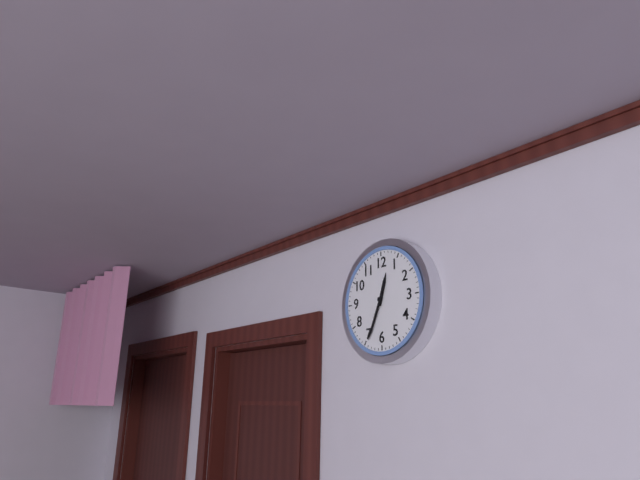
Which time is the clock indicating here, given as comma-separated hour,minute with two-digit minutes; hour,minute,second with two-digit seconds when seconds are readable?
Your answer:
12,34
